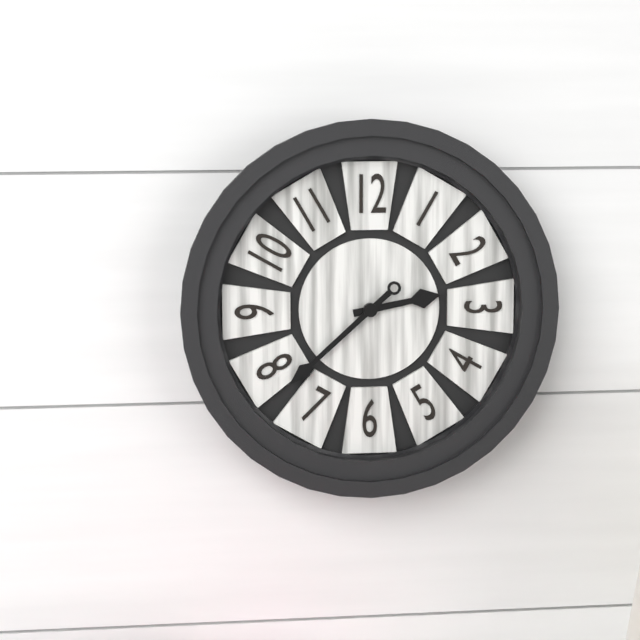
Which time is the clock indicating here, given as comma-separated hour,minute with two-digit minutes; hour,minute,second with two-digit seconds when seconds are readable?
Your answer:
2,38
